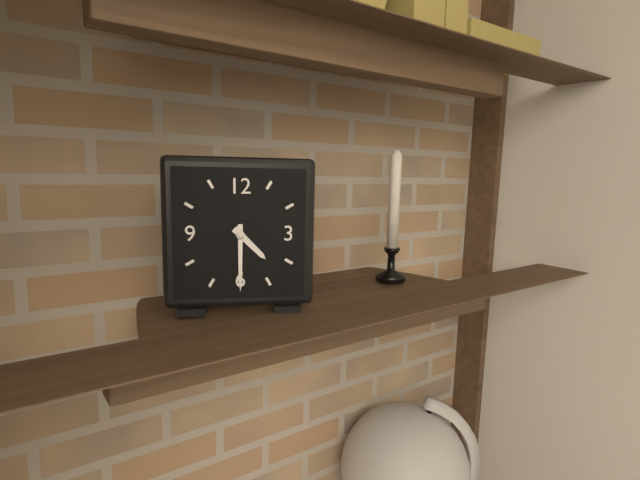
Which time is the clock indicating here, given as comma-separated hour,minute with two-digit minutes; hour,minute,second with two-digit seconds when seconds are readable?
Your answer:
4,30
